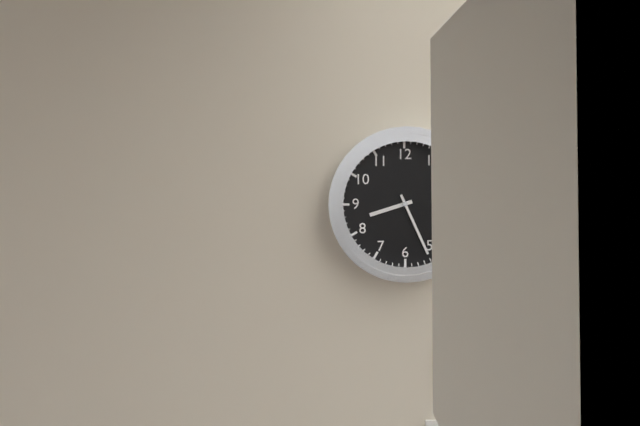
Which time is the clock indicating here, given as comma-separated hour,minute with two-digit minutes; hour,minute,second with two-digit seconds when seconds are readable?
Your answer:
8,26
